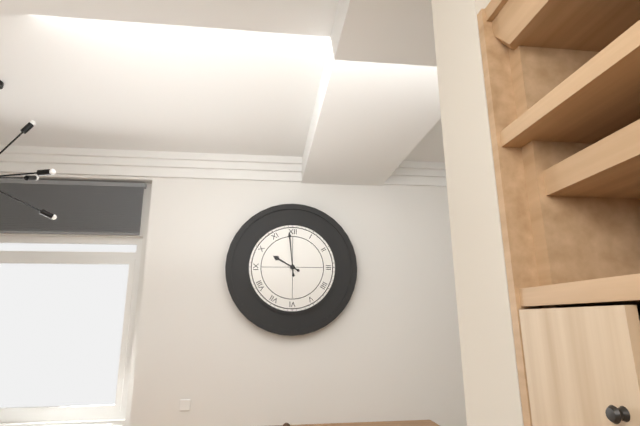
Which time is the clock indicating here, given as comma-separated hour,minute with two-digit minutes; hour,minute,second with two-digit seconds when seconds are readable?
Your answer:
9,59
